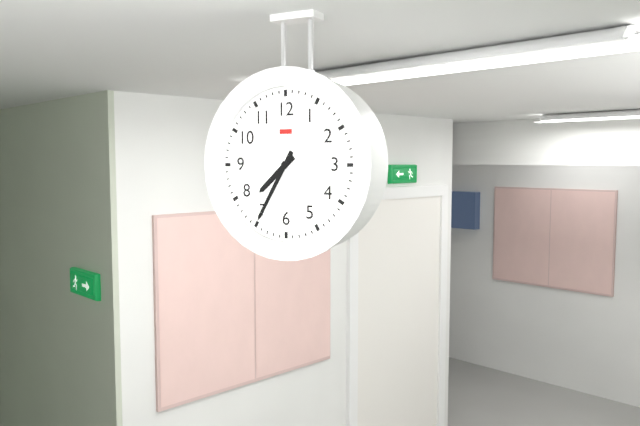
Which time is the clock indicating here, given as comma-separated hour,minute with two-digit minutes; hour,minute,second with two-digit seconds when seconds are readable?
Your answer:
7,35
